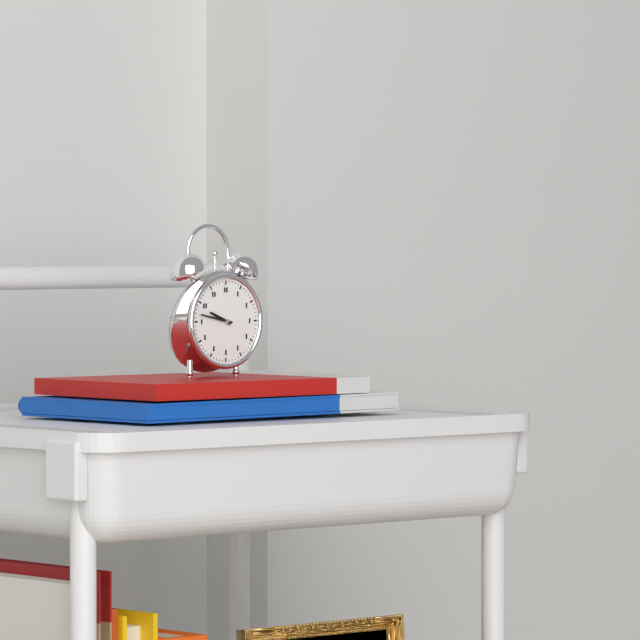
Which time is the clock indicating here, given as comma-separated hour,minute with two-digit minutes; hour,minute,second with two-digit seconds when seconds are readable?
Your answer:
9,47
